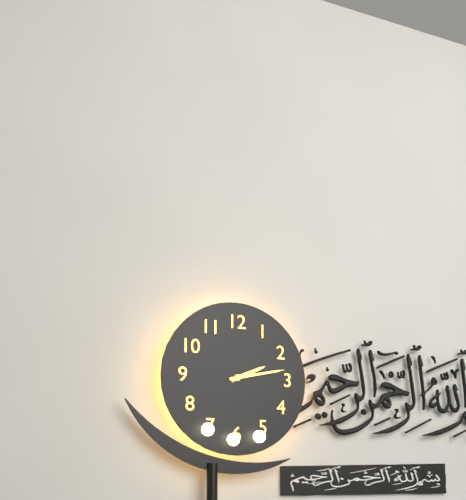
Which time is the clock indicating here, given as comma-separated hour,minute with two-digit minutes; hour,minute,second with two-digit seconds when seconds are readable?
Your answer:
2,13
